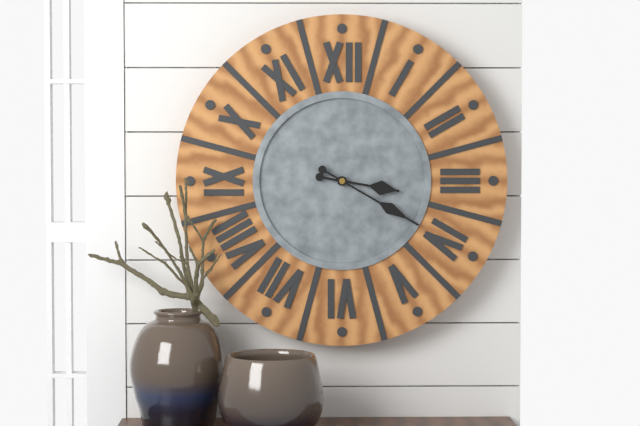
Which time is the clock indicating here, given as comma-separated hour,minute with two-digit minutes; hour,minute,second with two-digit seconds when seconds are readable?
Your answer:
3,20
